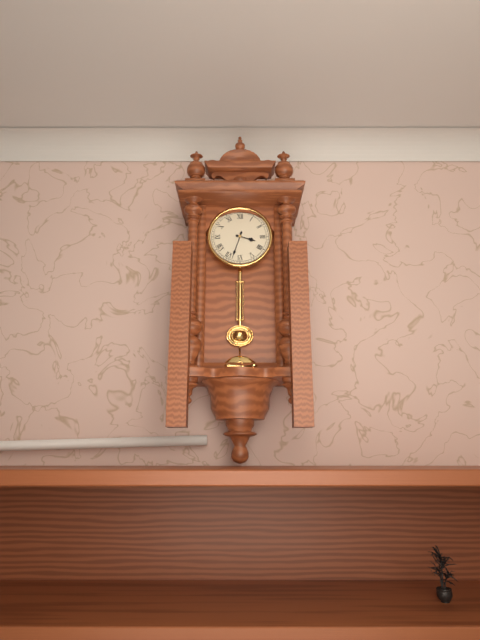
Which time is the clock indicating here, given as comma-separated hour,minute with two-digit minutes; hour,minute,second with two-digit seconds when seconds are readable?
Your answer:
3,33
